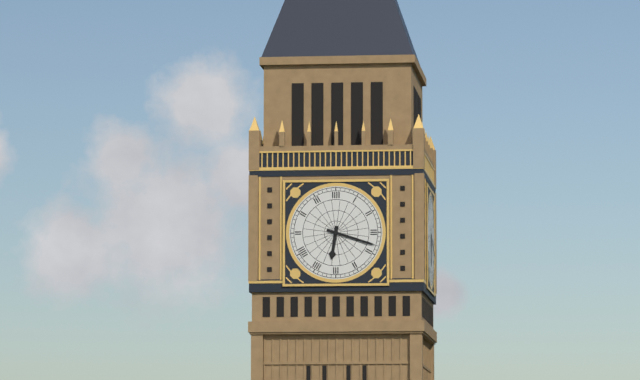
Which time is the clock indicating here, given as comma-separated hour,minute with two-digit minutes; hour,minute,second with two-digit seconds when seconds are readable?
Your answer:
6,18
